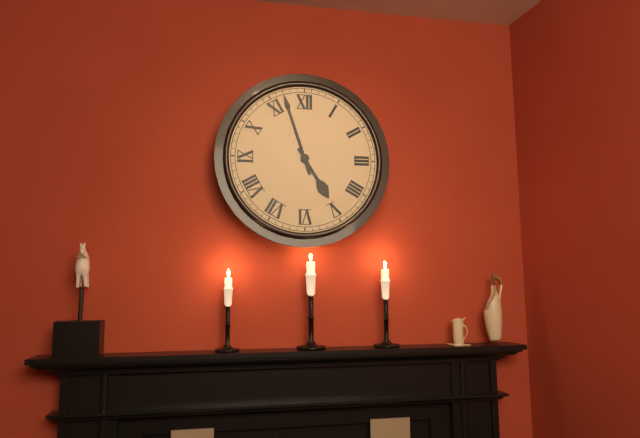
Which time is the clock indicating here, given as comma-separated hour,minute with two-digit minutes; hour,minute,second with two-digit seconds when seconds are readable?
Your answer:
4,57
